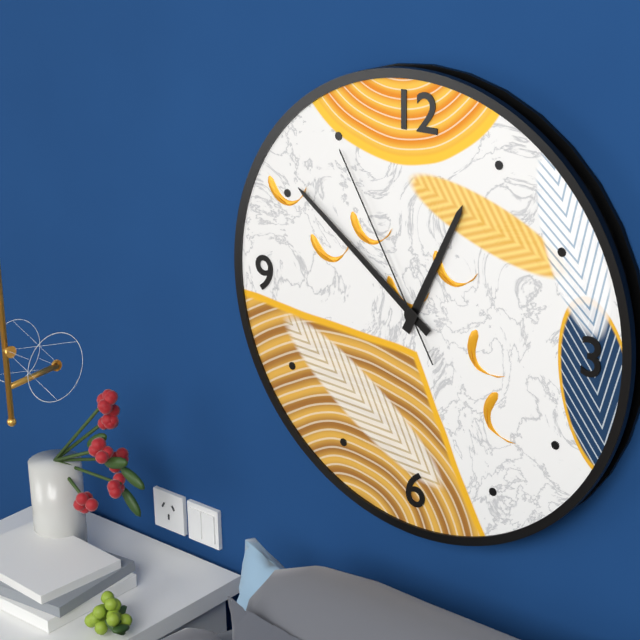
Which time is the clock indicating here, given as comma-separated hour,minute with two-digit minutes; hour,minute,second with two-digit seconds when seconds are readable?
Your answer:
12,51,55
